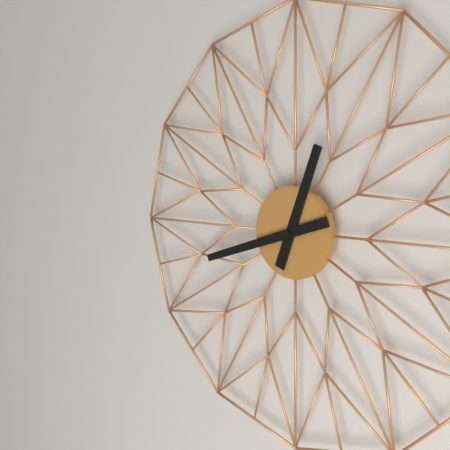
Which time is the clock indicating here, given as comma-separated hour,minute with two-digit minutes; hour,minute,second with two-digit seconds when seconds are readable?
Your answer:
12,42
